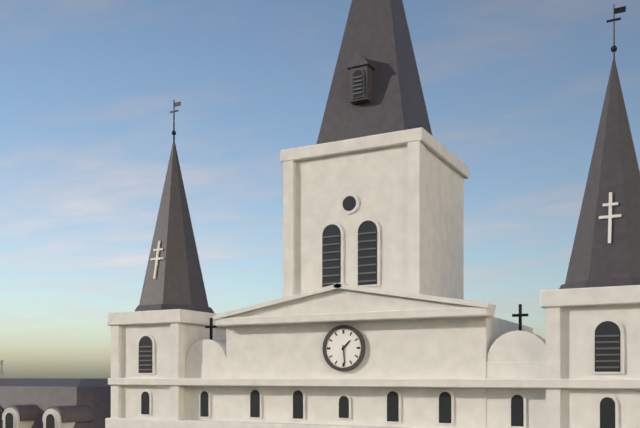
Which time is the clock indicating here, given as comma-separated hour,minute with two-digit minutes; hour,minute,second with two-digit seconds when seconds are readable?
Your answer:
1,29
